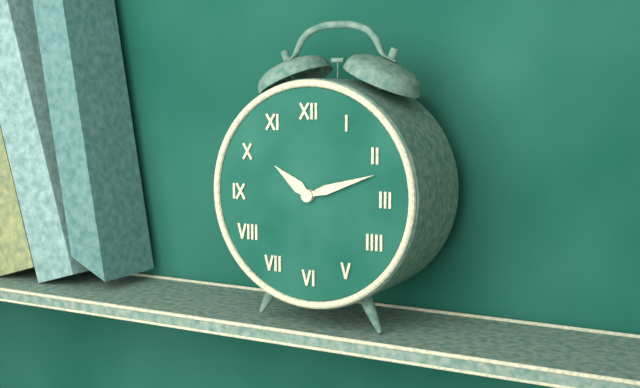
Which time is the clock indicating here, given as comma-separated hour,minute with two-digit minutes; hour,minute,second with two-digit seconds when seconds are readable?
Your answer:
10,12
